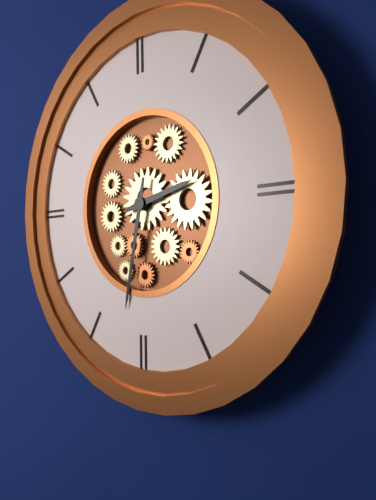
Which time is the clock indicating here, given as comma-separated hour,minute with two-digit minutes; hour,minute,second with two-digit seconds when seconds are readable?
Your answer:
2,32
